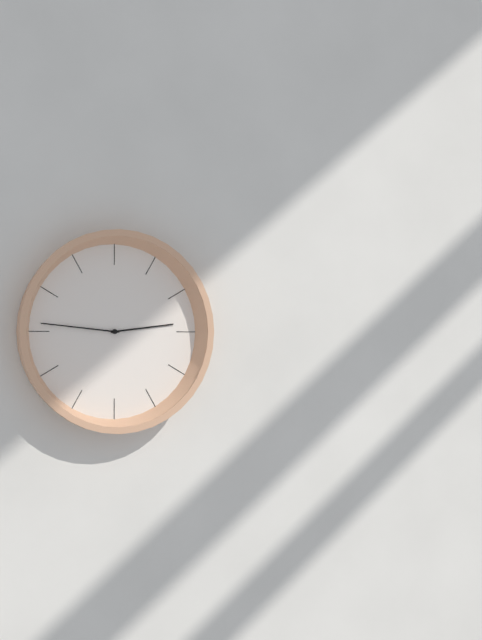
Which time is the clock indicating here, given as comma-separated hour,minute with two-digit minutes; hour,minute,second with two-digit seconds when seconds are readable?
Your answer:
2,46
